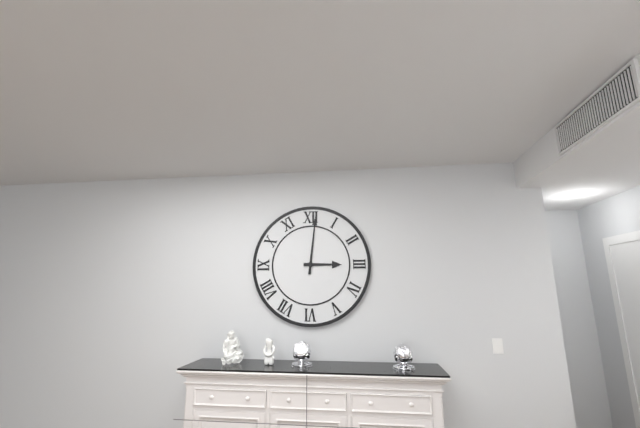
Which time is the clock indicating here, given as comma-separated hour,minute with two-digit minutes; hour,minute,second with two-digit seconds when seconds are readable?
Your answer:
3,01
